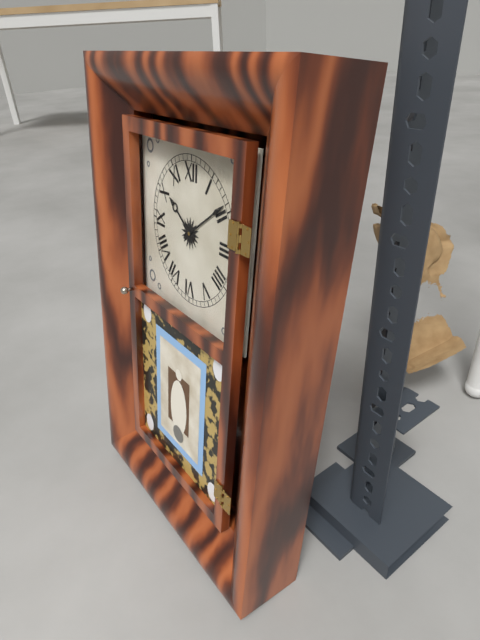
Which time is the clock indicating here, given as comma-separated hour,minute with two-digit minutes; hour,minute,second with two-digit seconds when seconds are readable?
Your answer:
10,09
